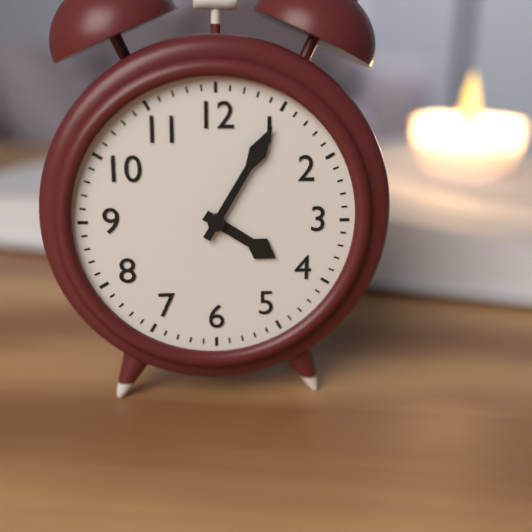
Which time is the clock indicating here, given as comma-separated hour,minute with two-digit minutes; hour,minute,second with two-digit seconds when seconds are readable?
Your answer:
4,05
